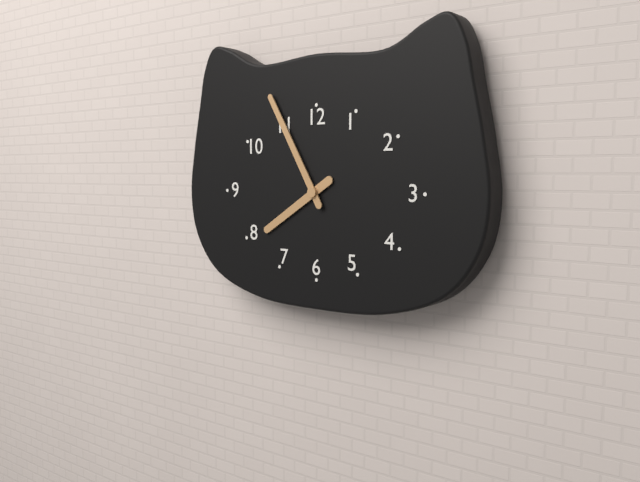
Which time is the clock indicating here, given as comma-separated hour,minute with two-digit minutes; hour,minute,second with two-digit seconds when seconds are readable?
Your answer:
7,55
